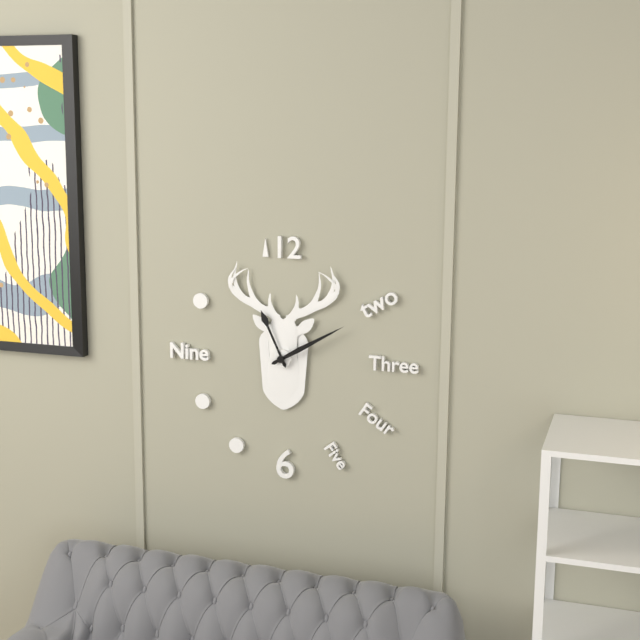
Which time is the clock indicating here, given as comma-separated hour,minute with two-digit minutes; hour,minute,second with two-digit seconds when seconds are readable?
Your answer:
11,10
